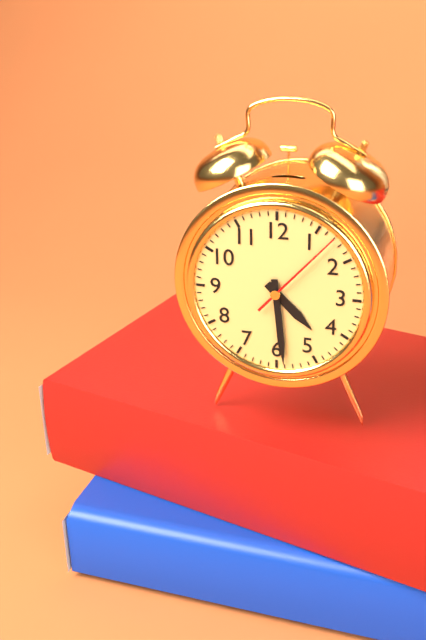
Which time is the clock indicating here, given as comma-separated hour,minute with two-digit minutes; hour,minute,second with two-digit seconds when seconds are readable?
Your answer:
4,29,07
